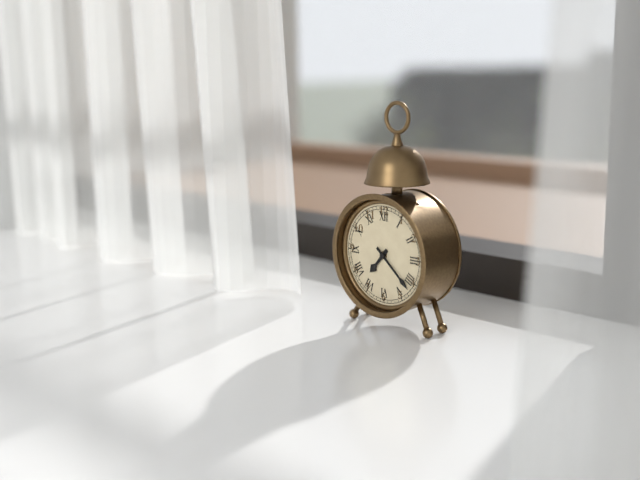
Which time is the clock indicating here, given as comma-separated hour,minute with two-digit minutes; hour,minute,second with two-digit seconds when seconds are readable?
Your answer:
7,22
